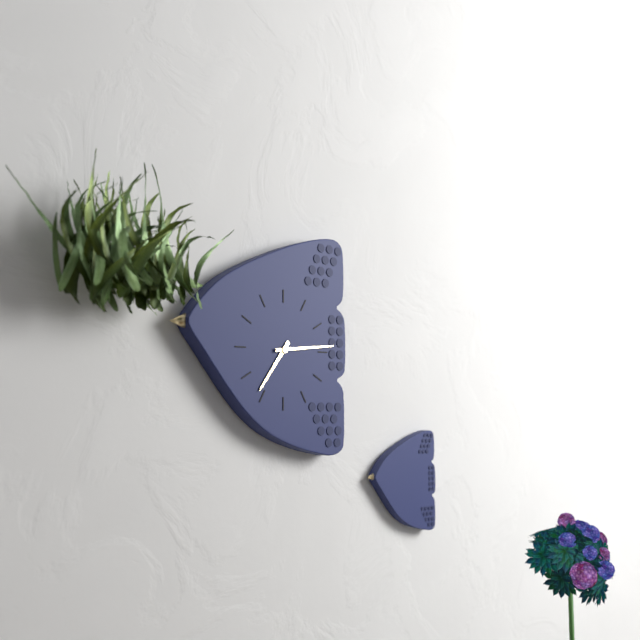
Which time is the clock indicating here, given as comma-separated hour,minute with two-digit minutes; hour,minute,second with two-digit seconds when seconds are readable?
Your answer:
7,14
